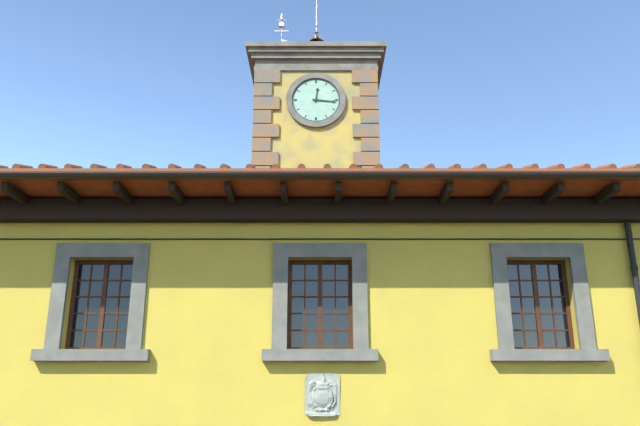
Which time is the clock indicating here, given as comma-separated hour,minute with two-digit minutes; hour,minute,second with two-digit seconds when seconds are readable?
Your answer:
12,16
